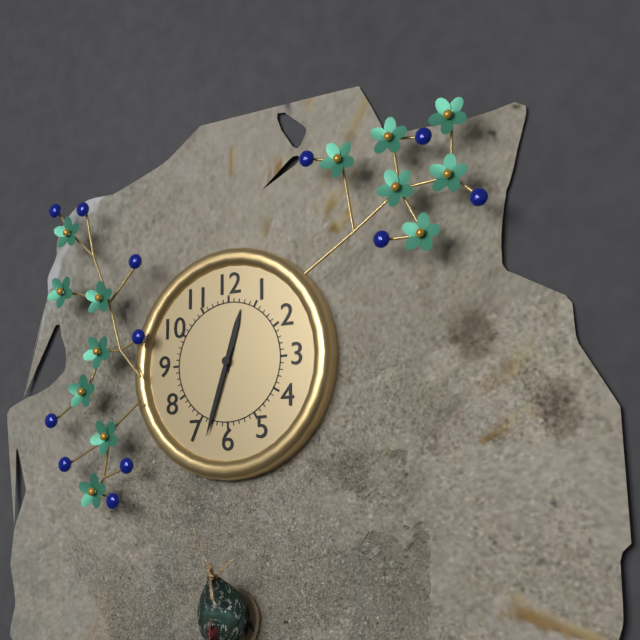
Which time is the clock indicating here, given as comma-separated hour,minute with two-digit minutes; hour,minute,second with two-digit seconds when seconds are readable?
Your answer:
12,33
